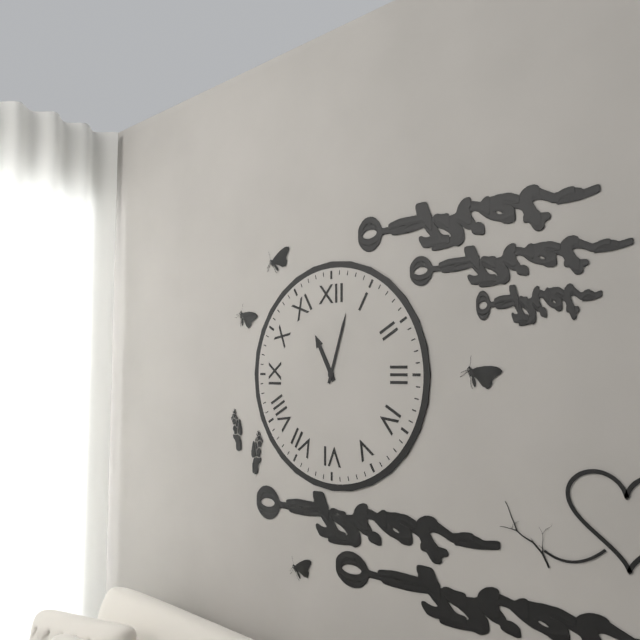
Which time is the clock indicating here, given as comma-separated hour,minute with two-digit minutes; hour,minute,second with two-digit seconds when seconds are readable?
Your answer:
11,03
